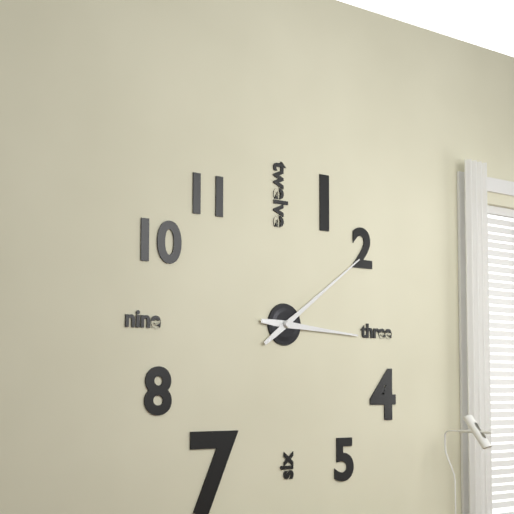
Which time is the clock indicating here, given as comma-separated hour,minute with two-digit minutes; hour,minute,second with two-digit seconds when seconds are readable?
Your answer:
3,09
